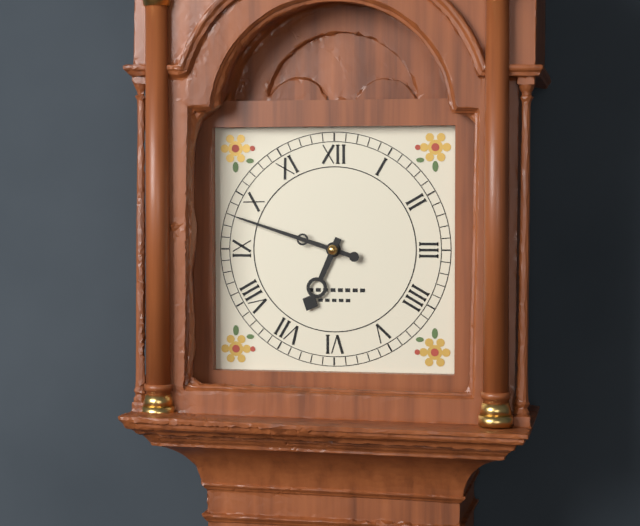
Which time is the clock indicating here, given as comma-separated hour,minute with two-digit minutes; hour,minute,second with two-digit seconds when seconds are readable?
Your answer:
6,48
